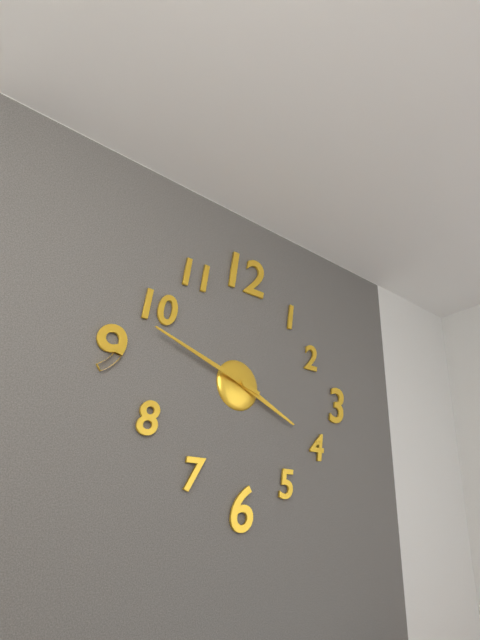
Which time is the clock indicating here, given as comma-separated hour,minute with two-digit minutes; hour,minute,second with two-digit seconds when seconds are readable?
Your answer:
3,48
